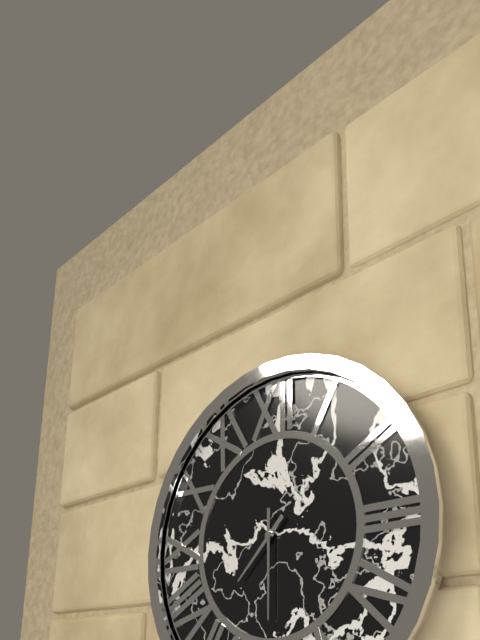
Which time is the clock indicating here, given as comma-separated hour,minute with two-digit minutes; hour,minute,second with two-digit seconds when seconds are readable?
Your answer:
7,30
